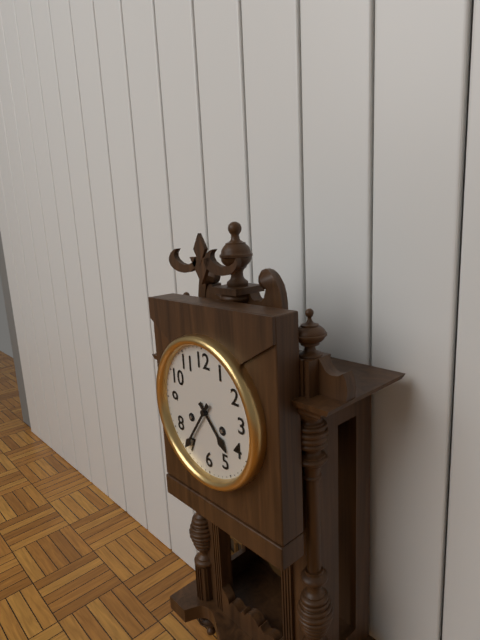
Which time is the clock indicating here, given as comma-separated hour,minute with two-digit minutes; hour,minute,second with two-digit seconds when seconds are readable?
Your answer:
4,36
